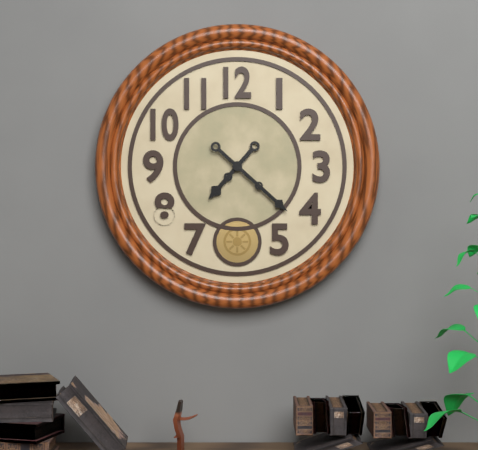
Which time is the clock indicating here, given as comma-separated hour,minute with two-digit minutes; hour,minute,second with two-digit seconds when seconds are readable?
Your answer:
7,22
